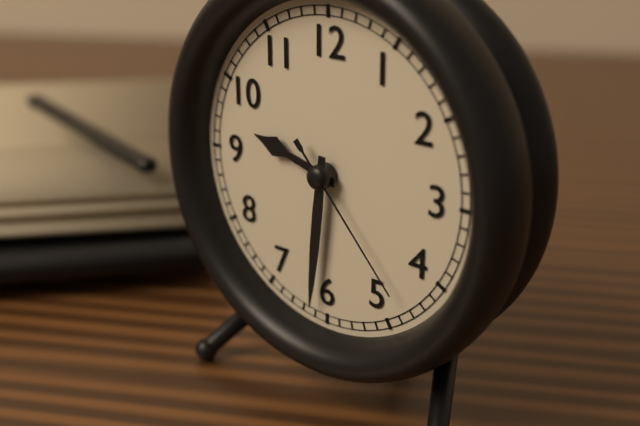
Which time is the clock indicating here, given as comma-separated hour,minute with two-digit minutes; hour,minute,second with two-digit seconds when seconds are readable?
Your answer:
9,31,23
